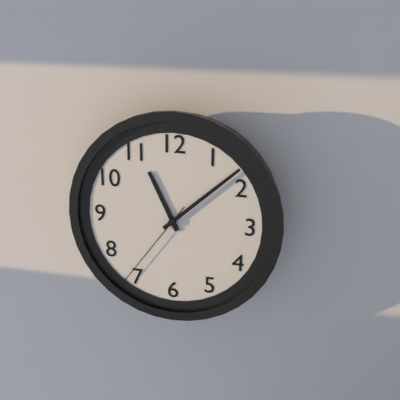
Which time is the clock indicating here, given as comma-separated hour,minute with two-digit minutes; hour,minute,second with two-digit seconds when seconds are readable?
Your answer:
11,08,36
